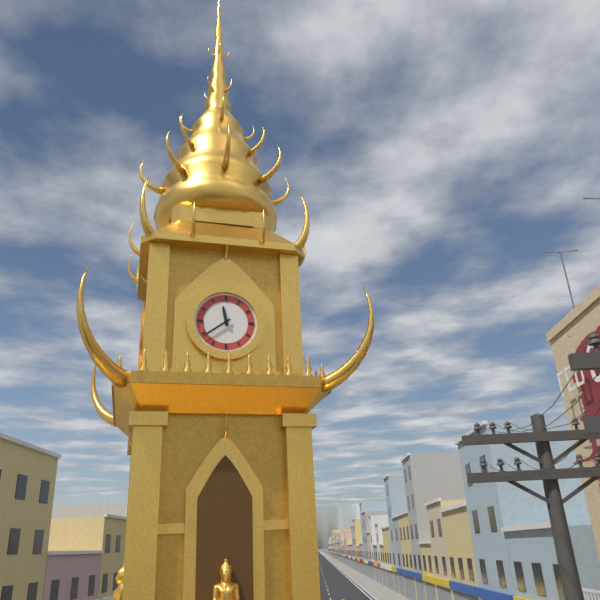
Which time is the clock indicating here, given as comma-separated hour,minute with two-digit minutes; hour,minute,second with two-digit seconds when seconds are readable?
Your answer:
11,39
